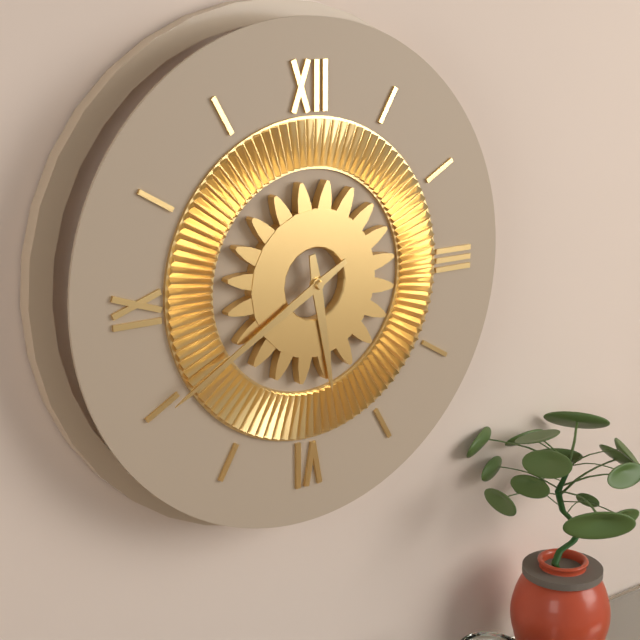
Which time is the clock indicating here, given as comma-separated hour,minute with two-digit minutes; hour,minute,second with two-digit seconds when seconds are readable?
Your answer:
5,40
